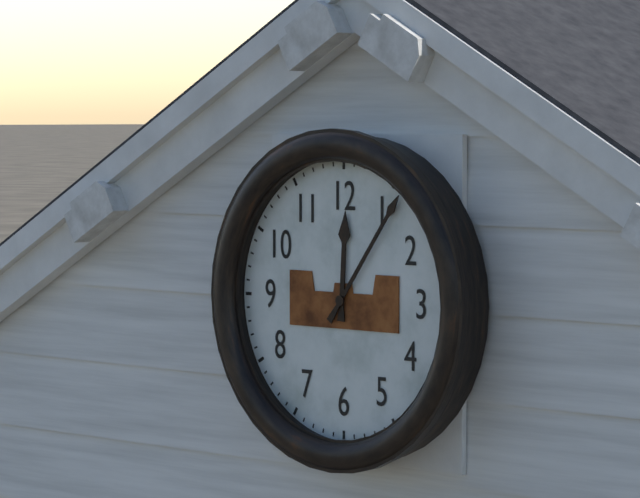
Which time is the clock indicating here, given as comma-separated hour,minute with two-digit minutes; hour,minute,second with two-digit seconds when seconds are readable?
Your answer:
12,06
